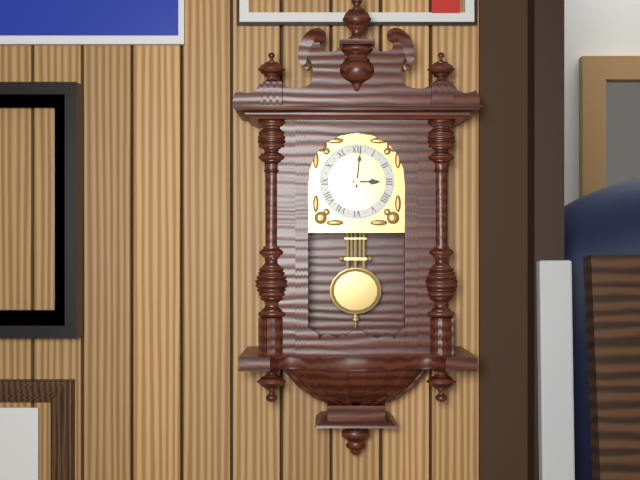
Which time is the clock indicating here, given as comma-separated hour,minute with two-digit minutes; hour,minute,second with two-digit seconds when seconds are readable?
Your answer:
3,01
